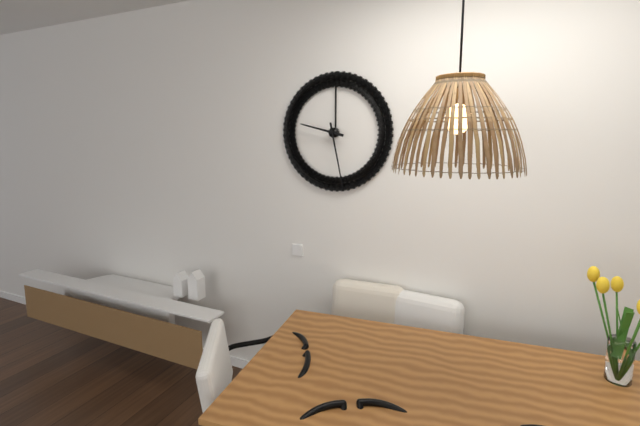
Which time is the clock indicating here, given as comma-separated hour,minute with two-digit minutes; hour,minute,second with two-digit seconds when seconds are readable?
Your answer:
9,28
